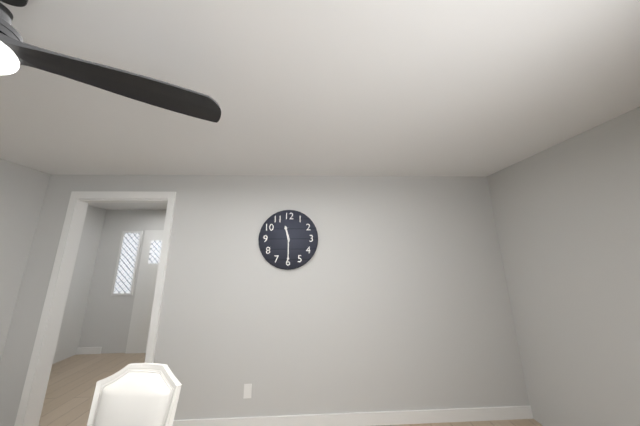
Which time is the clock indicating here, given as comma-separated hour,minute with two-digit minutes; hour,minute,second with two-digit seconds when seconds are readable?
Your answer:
11,30
